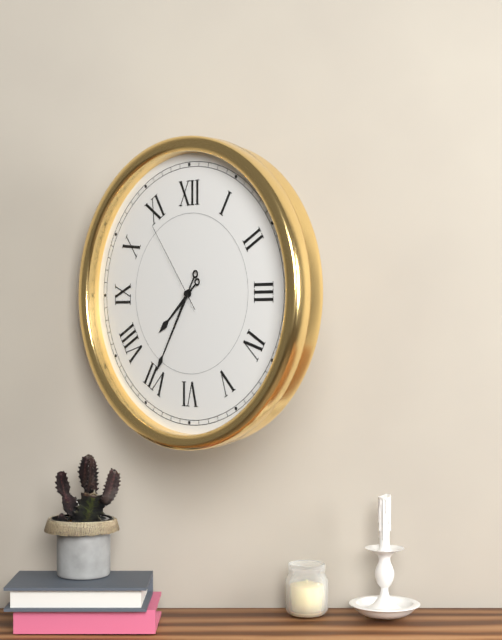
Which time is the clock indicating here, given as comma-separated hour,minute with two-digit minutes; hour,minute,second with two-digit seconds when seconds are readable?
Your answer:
7,35,54
